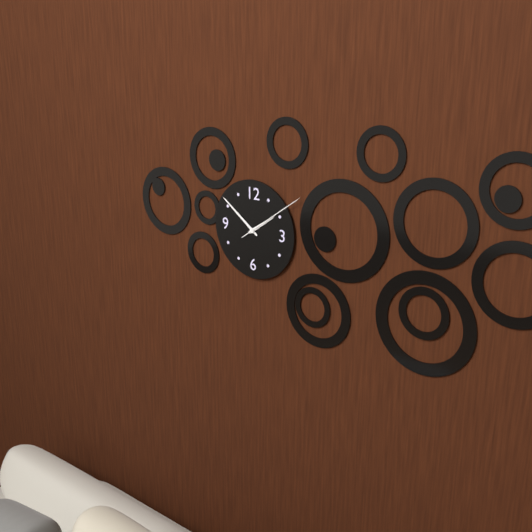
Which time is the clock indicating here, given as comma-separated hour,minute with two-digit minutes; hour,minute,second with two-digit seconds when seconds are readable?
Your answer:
1,51,09
